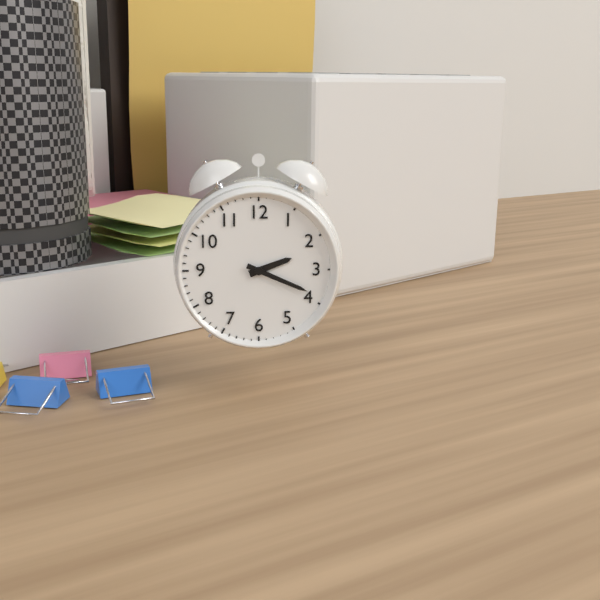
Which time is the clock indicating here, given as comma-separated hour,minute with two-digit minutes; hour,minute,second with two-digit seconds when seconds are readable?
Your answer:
2,19
